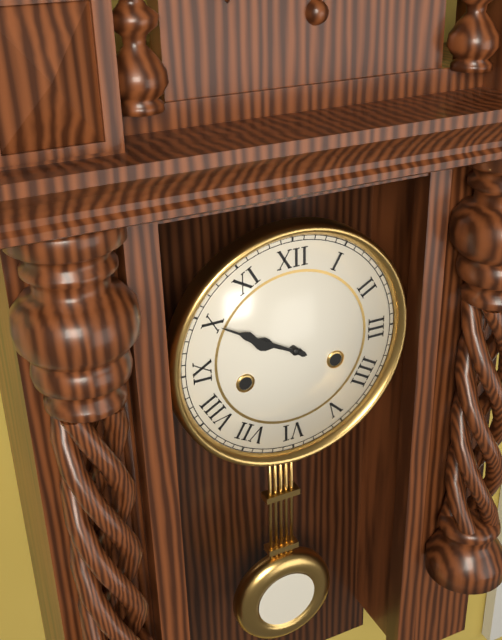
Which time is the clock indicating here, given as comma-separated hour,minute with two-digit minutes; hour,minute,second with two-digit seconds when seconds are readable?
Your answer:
9,50
